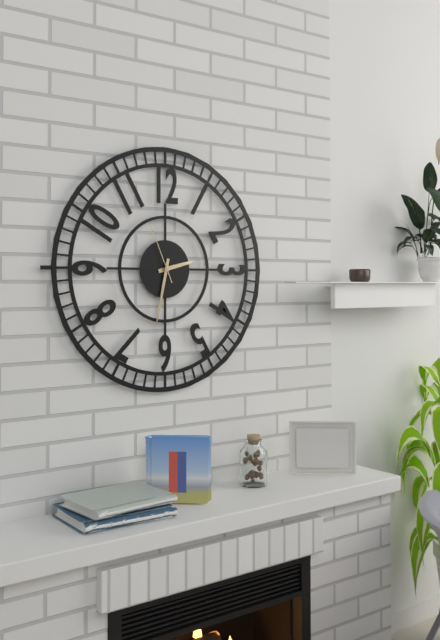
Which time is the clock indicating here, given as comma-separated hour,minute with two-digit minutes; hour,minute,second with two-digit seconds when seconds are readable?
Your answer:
2,32,56
